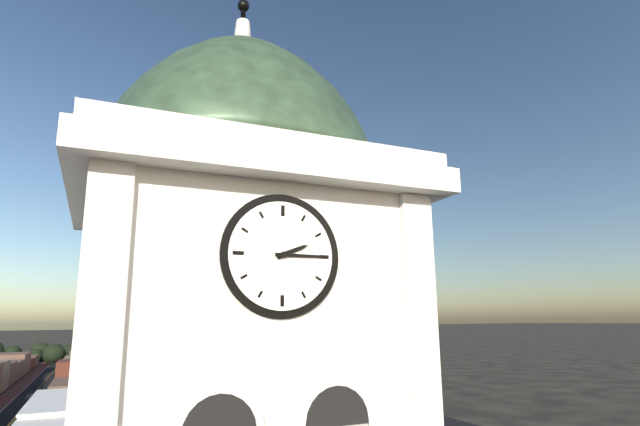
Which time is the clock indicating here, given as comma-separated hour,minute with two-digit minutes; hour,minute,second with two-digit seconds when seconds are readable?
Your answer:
2,15
